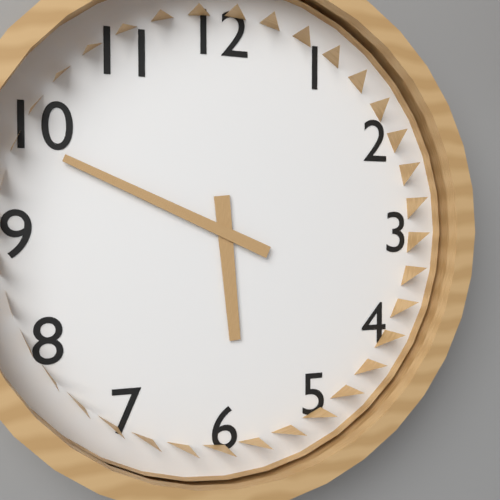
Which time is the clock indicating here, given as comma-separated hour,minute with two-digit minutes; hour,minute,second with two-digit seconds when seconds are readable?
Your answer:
5,49
